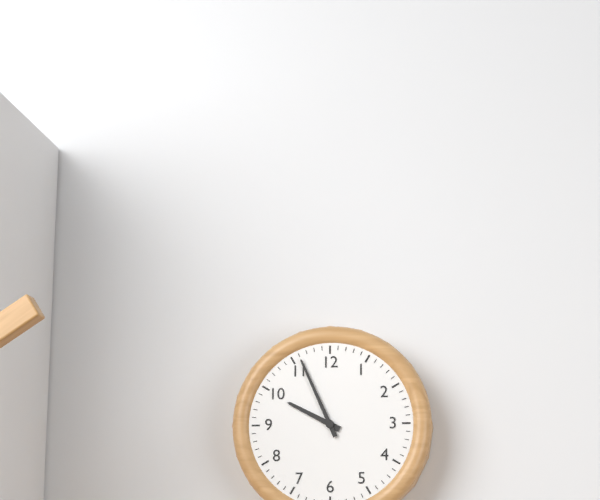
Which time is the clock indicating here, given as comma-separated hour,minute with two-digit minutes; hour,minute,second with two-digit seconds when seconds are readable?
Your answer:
9,56
